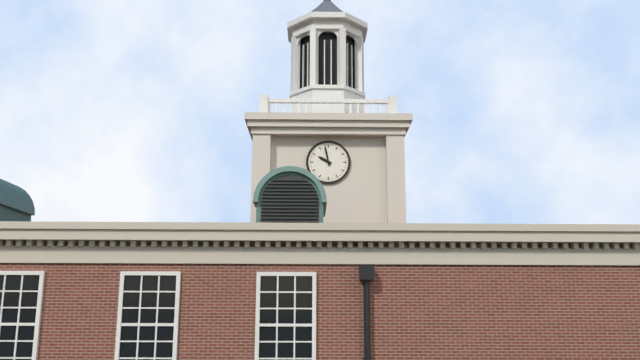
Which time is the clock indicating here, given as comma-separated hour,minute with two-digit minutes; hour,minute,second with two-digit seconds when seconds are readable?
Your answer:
9,58
